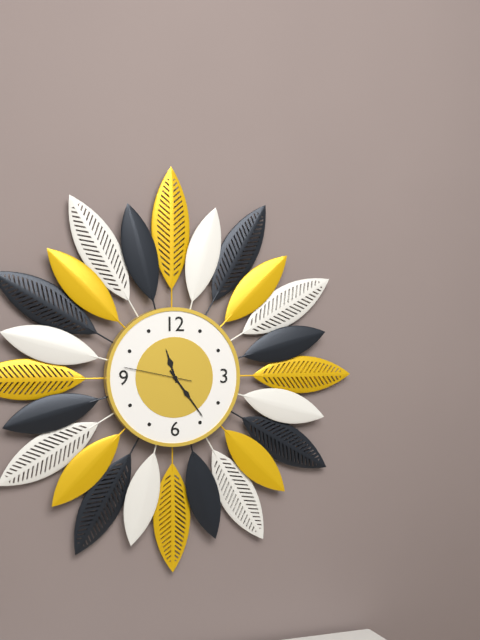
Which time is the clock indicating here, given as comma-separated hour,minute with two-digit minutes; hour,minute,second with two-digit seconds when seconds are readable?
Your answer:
11,24,47
